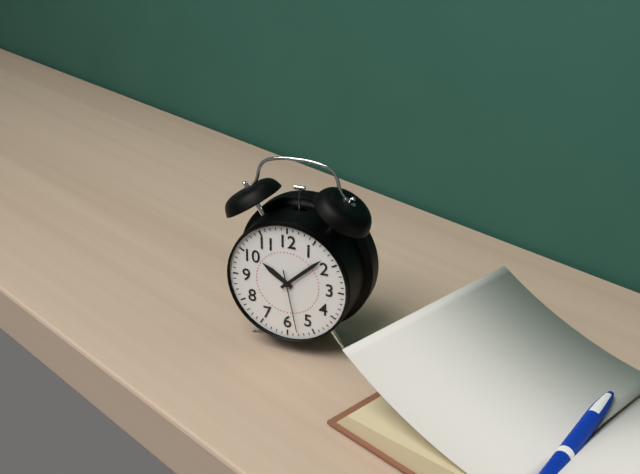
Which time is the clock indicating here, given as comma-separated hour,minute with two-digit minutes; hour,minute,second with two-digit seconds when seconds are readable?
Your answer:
10,08,28
